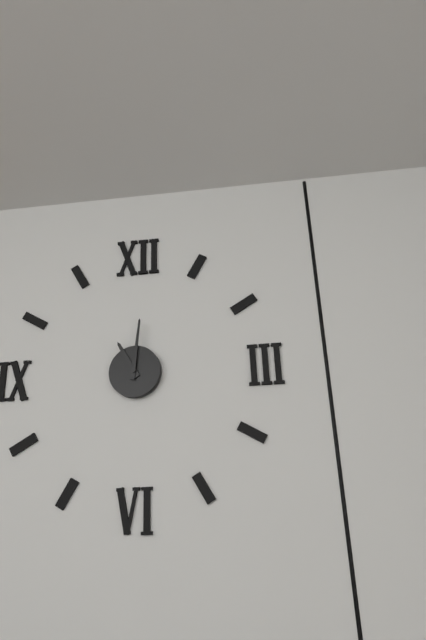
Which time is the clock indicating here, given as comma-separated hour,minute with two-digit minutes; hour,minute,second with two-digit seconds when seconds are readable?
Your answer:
11,01
